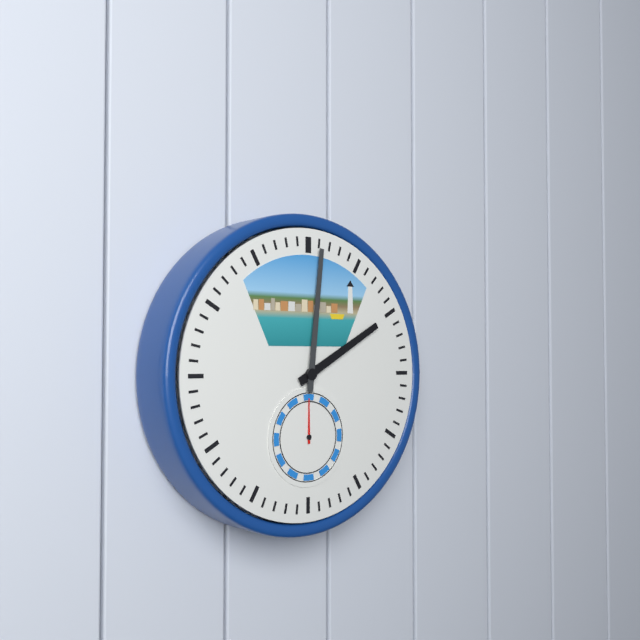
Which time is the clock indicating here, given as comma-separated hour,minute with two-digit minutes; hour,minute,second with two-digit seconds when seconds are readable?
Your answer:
2,01
